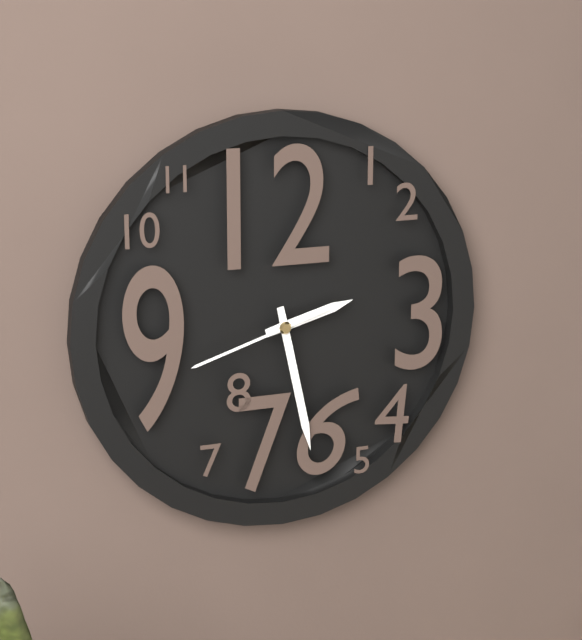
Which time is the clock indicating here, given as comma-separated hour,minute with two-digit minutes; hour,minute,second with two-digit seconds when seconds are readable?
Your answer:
2,28,42
